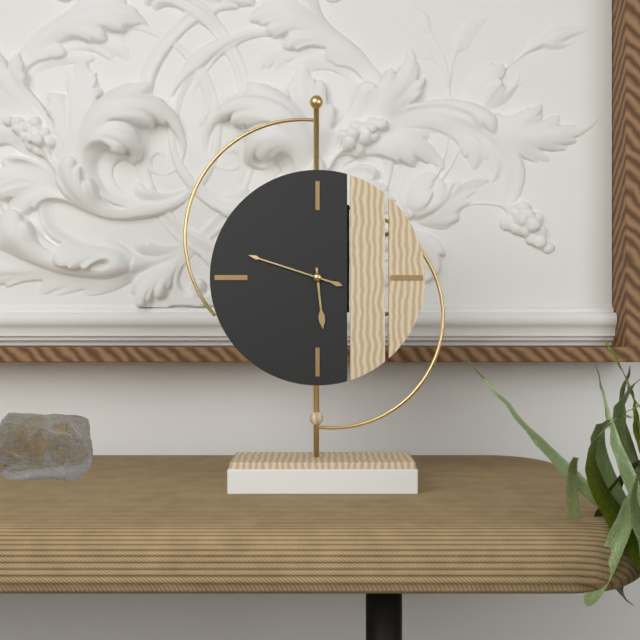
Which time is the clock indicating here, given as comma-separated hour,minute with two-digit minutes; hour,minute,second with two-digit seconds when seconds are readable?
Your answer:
5,48
